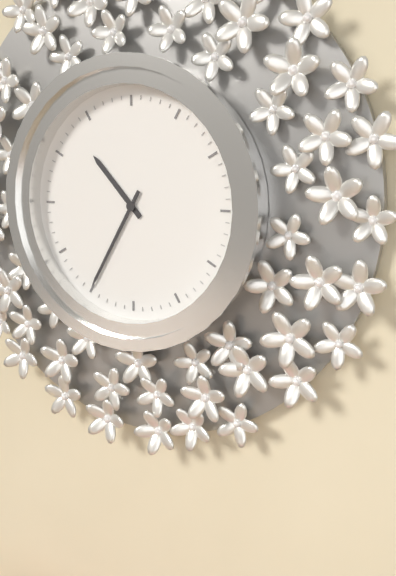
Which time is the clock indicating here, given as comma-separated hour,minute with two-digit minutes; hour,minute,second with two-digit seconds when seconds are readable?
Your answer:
10,35
